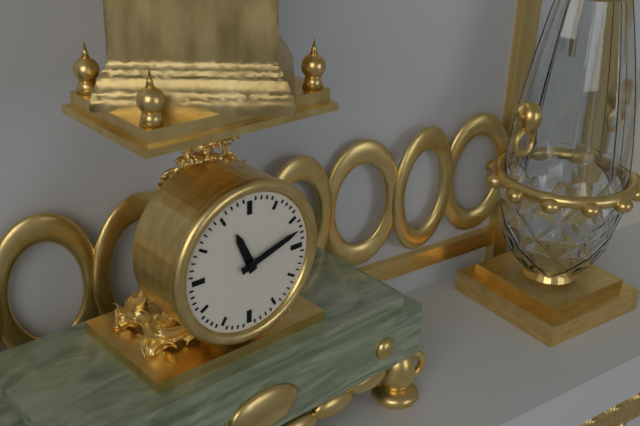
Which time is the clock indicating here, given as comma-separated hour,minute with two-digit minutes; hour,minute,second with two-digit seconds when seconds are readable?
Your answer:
11,12
